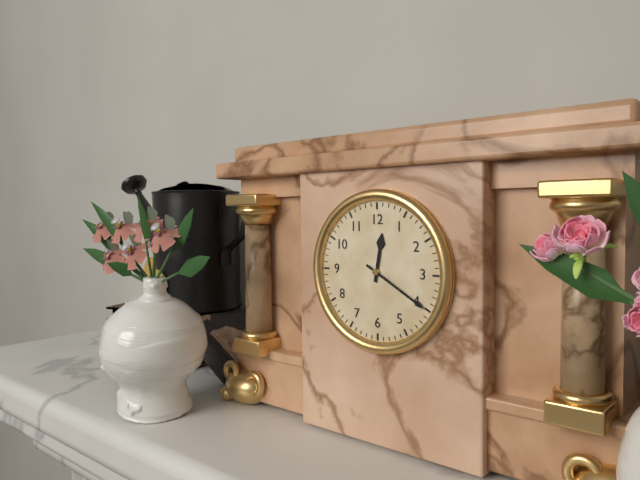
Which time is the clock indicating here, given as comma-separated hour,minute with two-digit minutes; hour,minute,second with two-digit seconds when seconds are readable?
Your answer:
12,20
